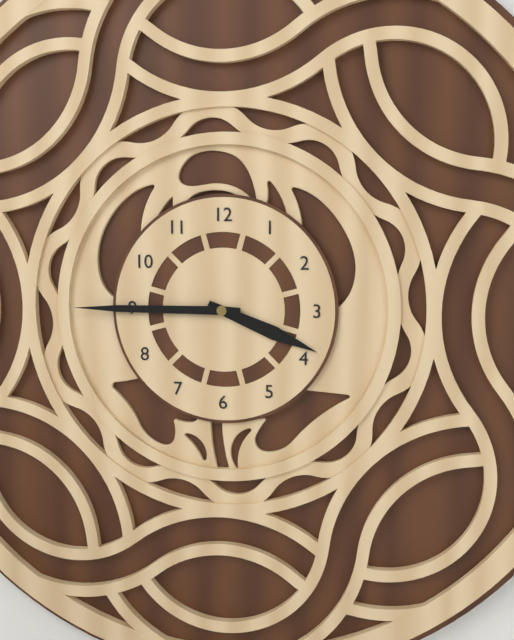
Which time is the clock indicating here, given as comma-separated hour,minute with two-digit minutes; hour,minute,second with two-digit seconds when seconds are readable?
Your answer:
3,45
